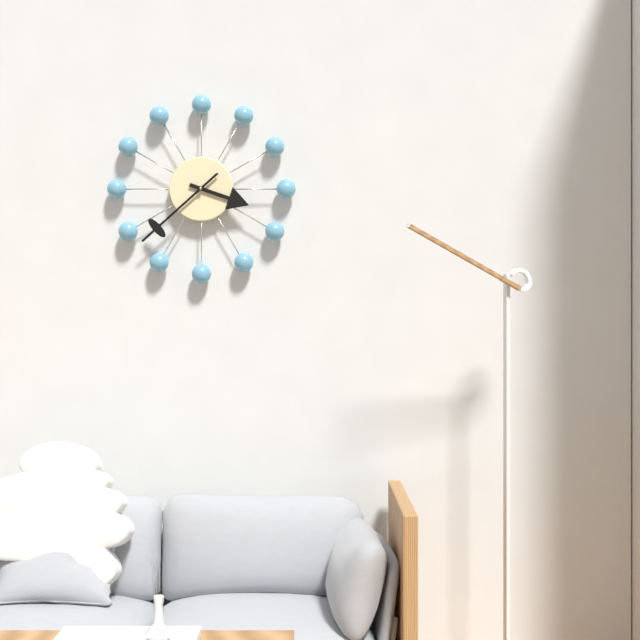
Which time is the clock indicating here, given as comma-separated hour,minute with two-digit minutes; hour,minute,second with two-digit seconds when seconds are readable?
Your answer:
3,38
